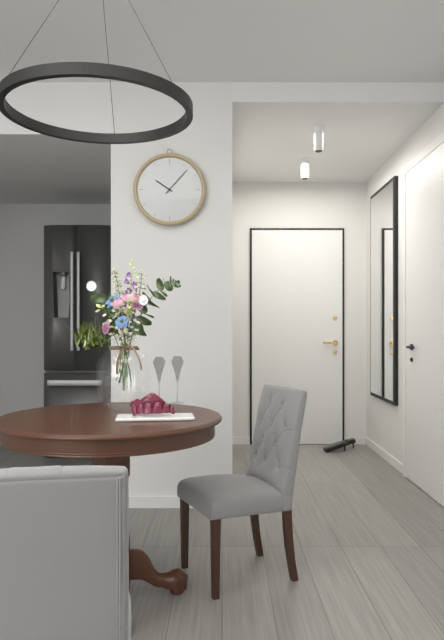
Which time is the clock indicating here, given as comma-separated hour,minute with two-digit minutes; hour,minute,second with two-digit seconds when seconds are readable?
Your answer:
10,07
